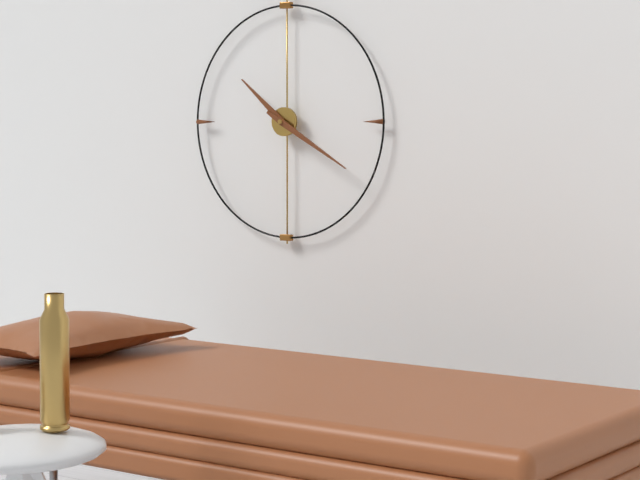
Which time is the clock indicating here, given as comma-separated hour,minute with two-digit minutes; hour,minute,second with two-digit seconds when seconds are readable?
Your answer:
10,20
